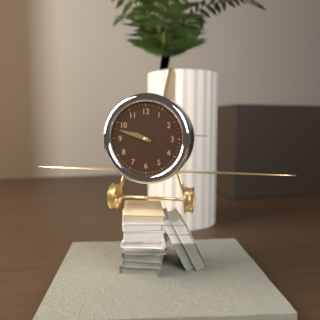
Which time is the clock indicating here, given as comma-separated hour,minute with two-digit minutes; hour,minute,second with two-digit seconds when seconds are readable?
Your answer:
9,48
